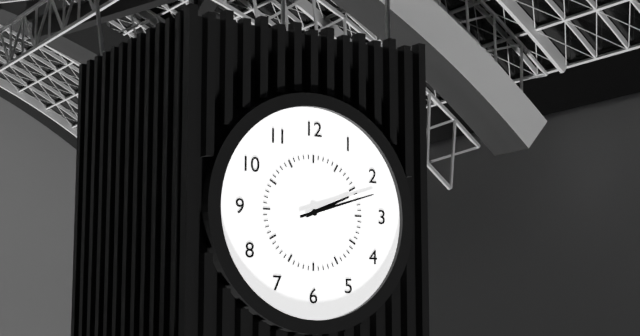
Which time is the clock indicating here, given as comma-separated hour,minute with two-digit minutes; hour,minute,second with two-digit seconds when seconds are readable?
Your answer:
2,12
